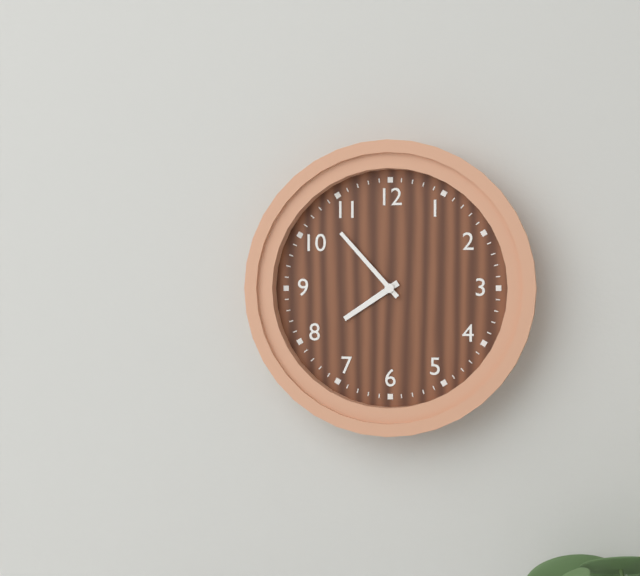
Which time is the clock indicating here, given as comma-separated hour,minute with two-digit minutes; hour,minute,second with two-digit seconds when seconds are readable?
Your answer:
7,53
